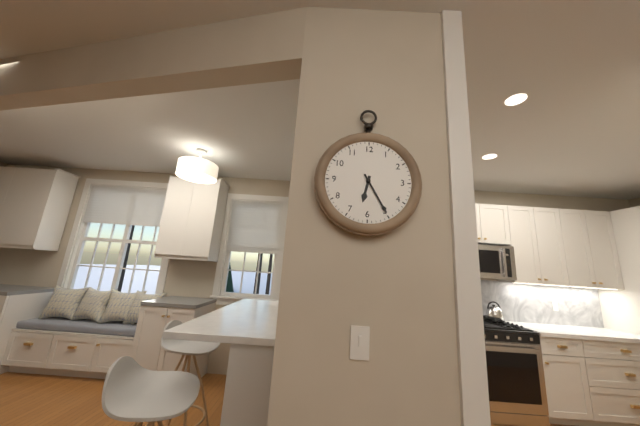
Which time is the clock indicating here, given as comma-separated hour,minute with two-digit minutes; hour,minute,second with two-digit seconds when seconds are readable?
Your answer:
6,25
